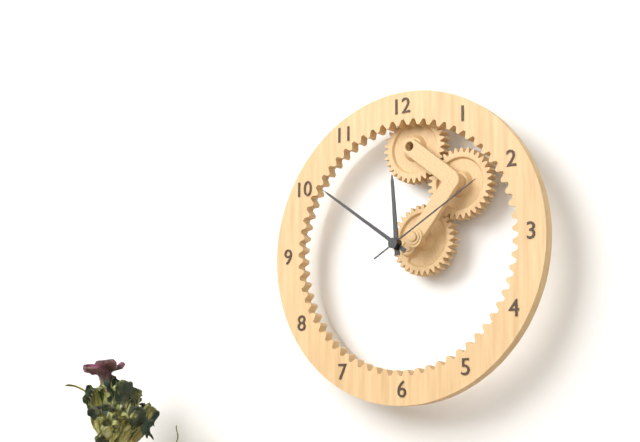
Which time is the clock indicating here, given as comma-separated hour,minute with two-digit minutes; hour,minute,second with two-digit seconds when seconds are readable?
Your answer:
11,51,10
